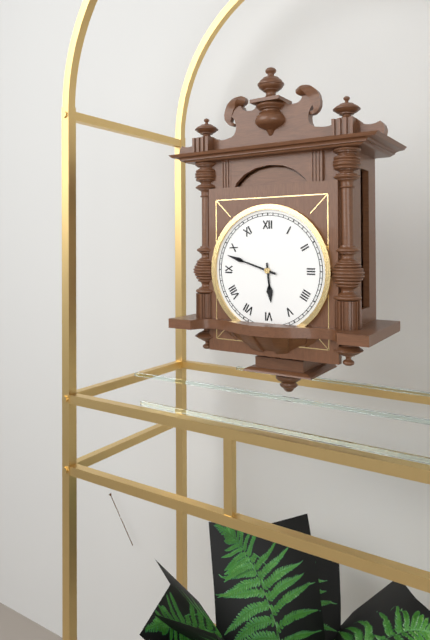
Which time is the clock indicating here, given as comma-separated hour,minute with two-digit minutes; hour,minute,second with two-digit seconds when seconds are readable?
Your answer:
5,48
